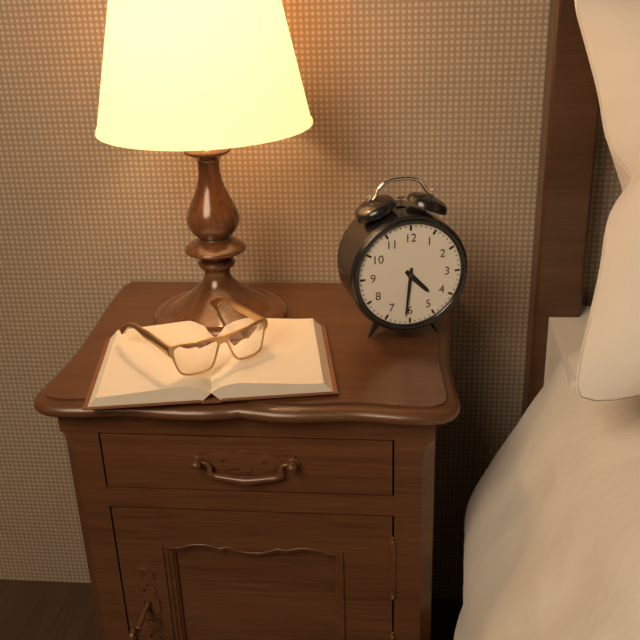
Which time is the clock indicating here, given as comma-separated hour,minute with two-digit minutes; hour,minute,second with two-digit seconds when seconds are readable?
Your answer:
4,31
